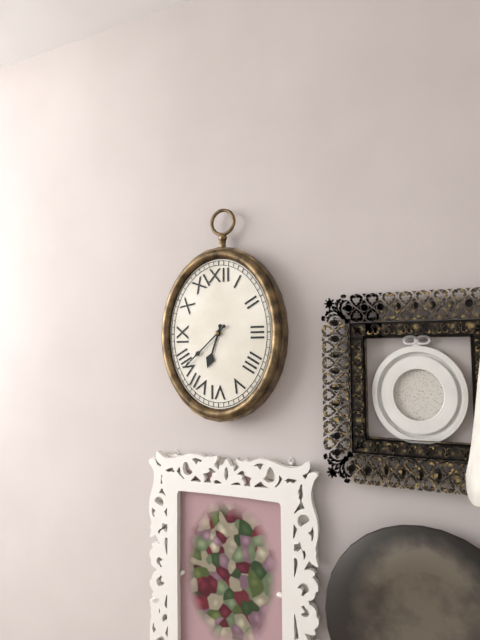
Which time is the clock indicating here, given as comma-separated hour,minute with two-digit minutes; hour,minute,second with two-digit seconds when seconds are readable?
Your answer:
6,38
